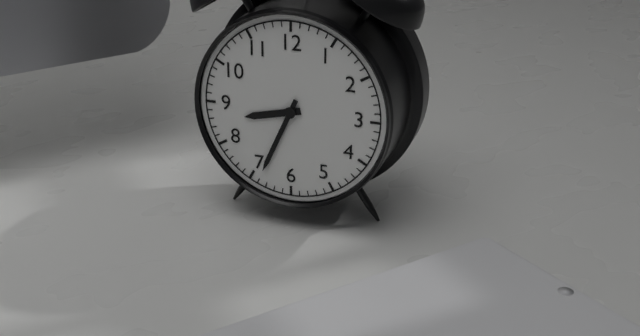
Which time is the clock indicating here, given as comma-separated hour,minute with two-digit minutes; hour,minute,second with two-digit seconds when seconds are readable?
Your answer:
8,34
